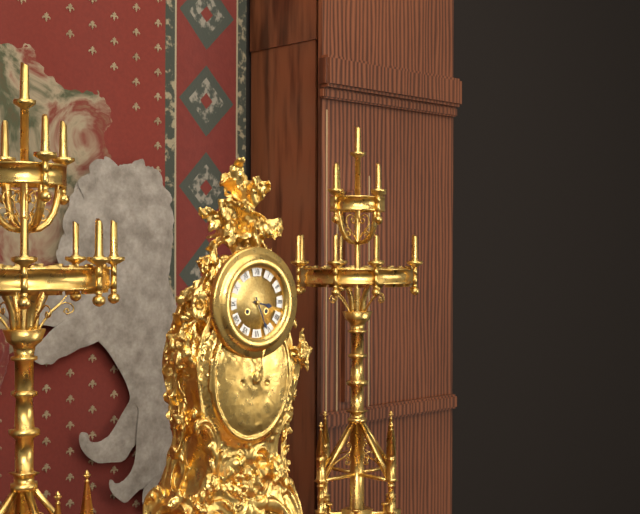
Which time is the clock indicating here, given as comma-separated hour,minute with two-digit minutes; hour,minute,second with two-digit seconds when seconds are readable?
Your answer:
3,26
